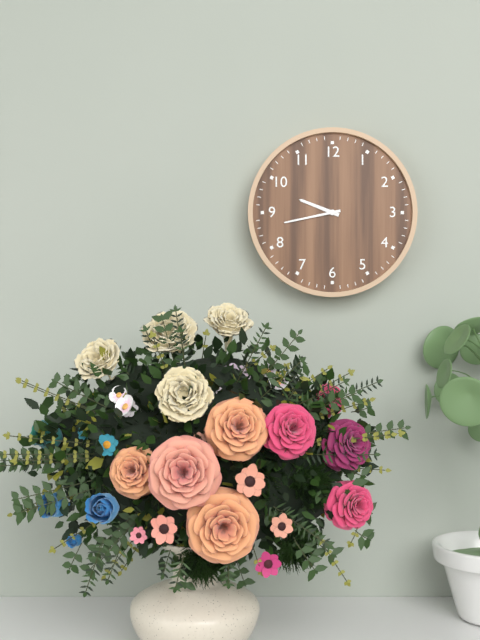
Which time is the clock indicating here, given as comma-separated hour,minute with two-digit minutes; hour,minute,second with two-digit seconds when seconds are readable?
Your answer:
9,43
